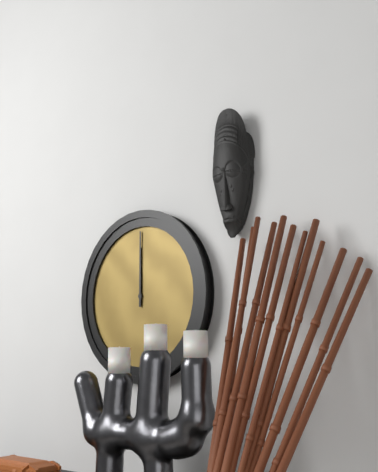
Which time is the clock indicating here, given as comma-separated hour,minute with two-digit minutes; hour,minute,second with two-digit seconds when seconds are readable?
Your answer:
12,00
